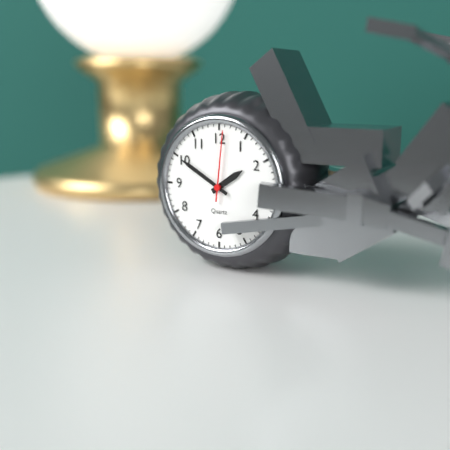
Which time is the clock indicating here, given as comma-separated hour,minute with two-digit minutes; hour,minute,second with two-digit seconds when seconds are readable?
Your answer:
1,50,01
